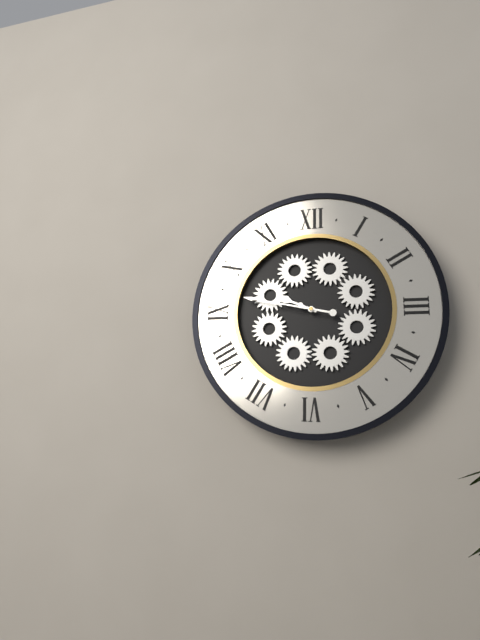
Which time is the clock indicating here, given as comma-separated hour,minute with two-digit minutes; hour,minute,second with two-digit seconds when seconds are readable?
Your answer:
9,47
